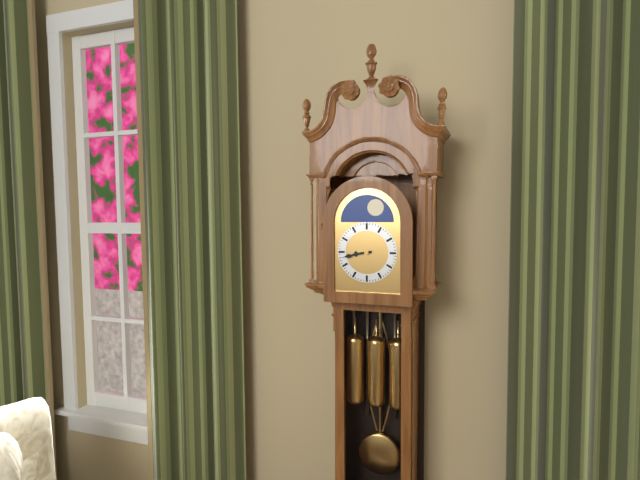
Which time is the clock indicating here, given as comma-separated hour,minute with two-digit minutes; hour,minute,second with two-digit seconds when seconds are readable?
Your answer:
8,43
